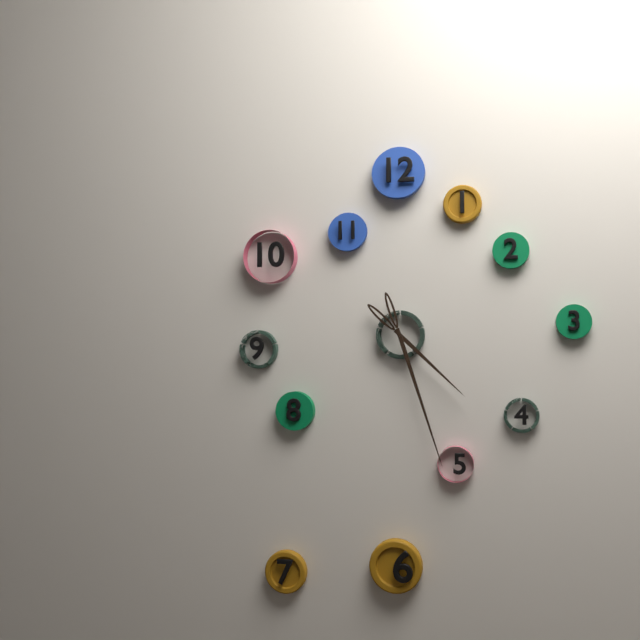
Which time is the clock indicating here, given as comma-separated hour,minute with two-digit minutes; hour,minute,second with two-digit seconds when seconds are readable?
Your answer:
4,27
